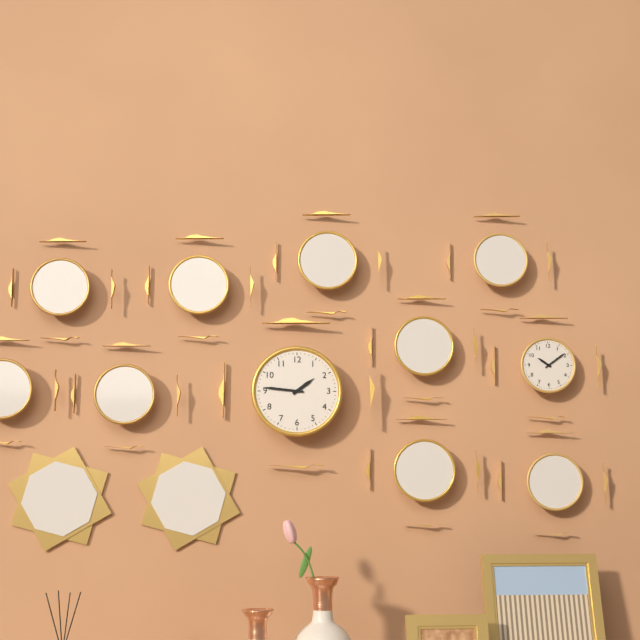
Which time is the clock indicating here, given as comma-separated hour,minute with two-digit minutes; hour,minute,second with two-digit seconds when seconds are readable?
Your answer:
1,46
